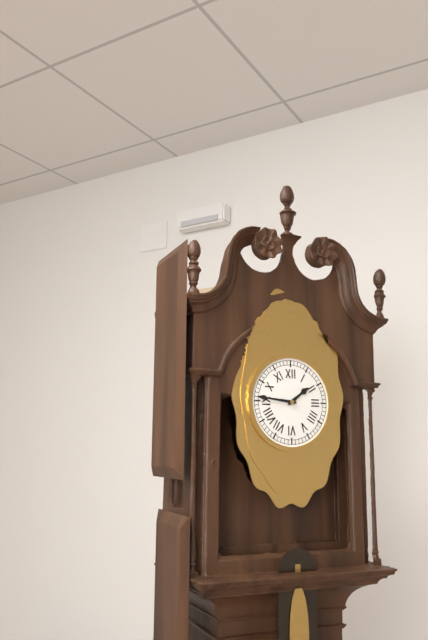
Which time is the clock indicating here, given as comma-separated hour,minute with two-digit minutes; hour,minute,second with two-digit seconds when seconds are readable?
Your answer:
1,46
